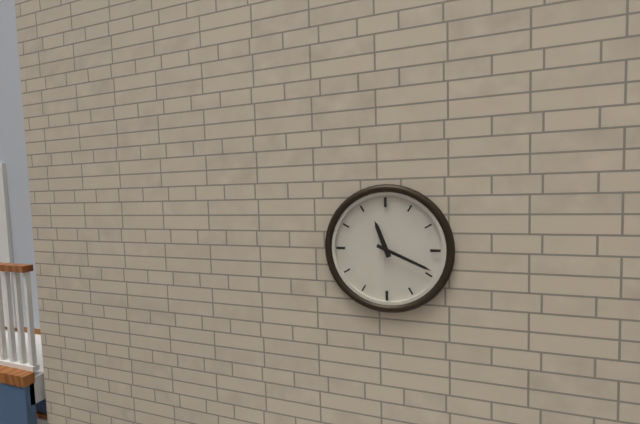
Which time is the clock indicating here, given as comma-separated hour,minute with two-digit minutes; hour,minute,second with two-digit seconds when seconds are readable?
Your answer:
11,19
